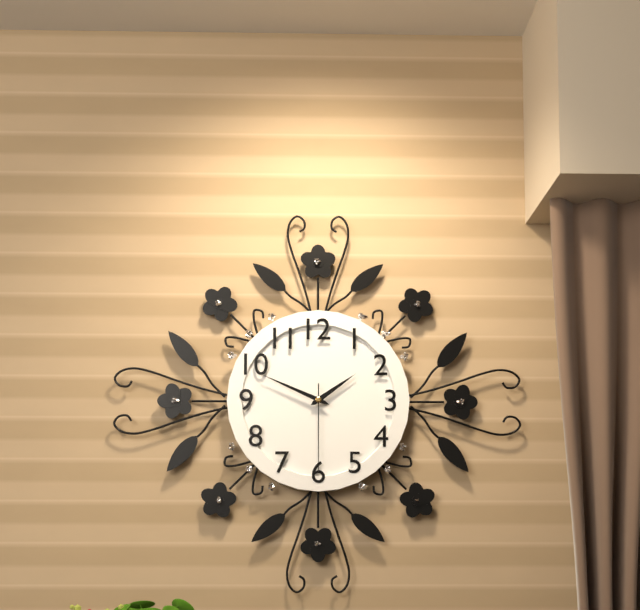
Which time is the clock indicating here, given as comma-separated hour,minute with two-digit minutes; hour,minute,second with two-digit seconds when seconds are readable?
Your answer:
1,49,30
